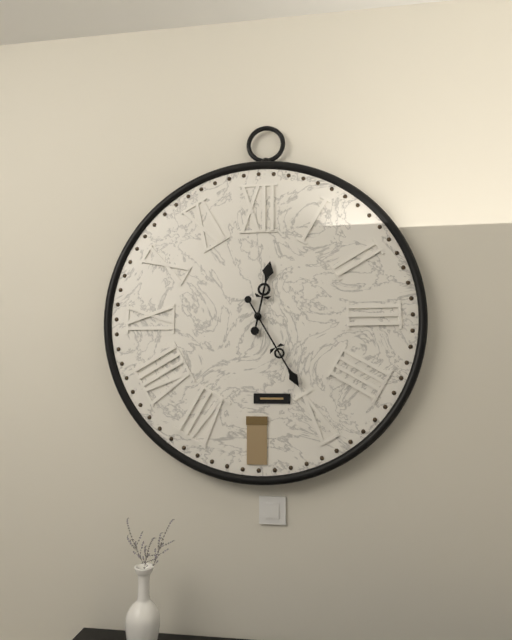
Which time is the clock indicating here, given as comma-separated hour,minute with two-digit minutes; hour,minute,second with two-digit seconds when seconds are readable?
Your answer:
12,25
